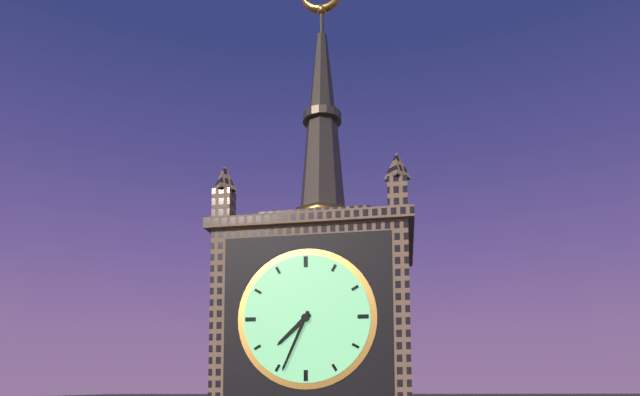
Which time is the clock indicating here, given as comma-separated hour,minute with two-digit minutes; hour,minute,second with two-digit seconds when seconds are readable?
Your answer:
7,34
